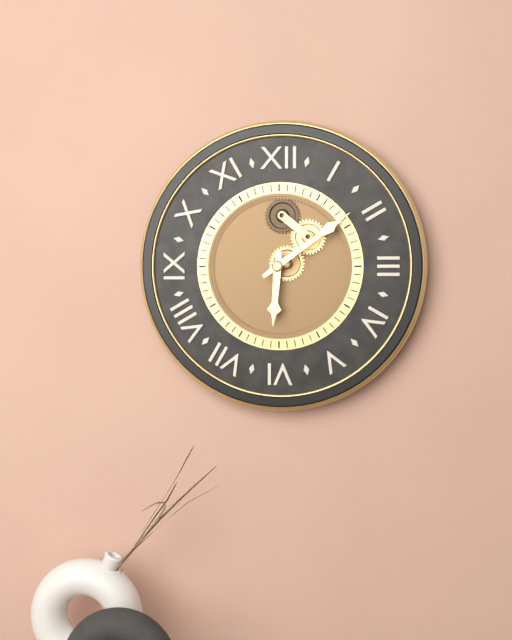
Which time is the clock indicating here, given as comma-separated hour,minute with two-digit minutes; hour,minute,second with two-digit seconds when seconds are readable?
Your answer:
6,09
